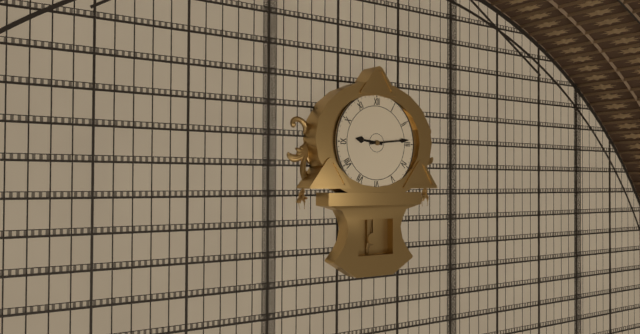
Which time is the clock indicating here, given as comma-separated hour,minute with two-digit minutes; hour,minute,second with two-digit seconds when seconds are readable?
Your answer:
9,14
